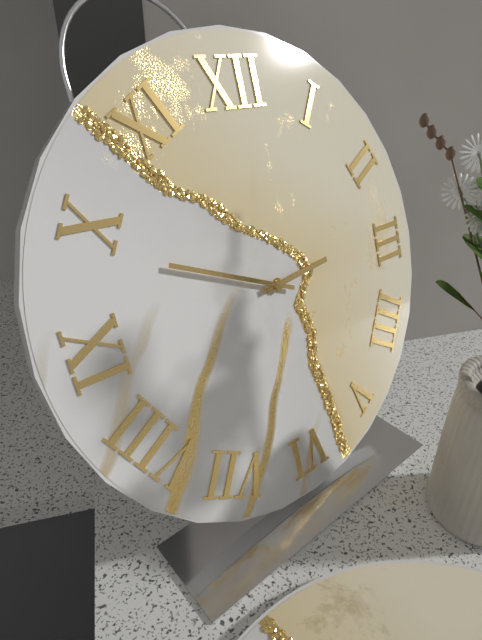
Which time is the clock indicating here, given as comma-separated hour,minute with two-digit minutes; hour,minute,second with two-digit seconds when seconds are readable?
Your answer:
2,49
